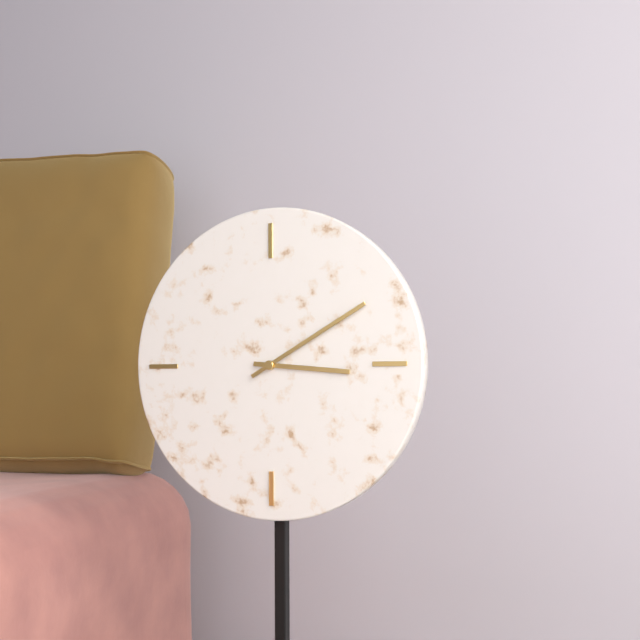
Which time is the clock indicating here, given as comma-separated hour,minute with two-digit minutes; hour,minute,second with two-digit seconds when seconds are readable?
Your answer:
3,10
